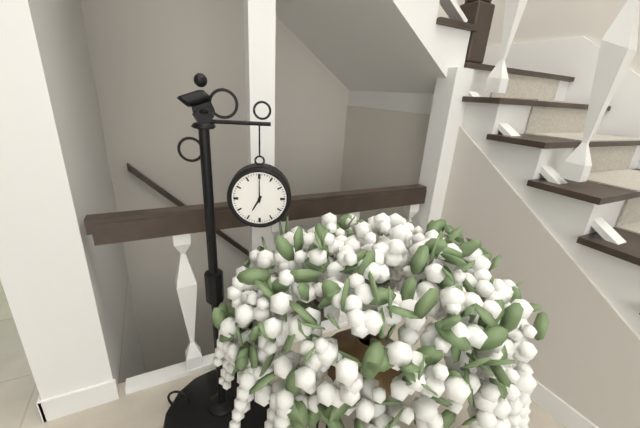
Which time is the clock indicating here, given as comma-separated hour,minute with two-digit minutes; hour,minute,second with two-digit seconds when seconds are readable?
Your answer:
7,00
